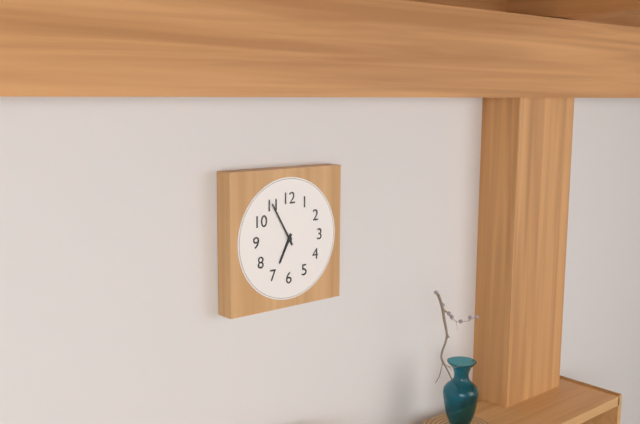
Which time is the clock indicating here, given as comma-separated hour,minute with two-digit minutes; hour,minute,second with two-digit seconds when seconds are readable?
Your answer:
6,55
